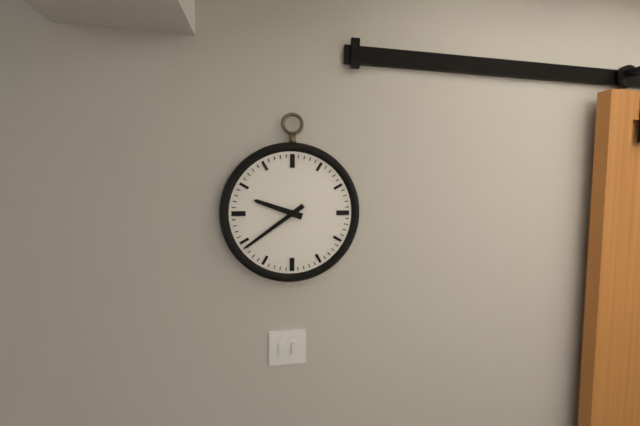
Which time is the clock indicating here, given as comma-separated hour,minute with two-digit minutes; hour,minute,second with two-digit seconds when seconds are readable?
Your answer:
9,39
